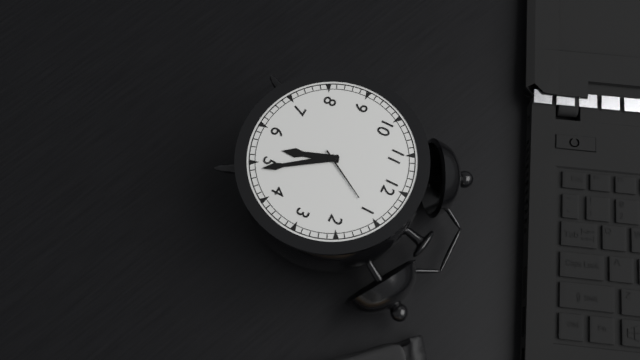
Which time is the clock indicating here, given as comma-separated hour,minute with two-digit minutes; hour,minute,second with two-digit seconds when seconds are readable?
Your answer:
5,24
